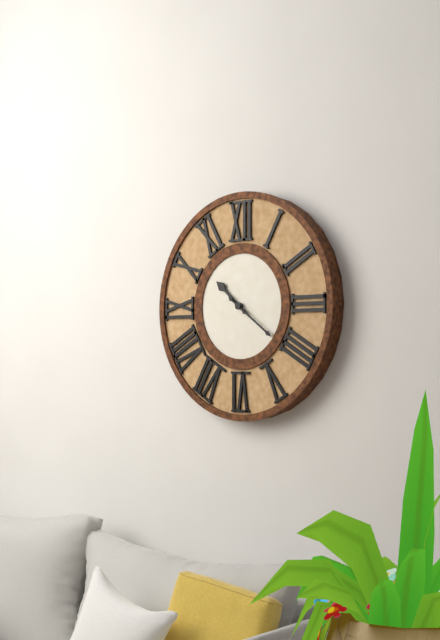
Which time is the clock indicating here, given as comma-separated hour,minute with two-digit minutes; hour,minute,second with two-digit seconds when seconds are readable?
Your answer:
10,21
